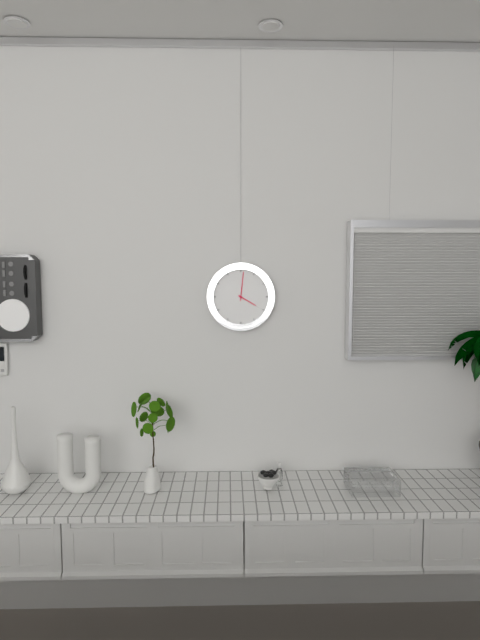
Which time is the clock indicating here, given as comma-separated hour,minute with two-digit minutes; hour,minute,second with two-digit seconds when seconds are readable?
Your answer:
4,01
